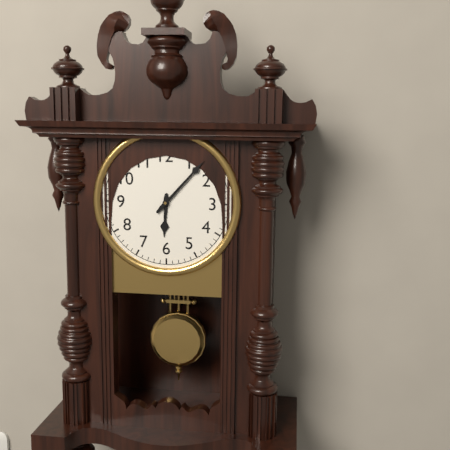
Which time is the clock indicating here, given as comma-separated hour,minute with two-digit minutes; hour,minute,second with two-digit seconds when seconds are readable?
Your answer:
6,07
